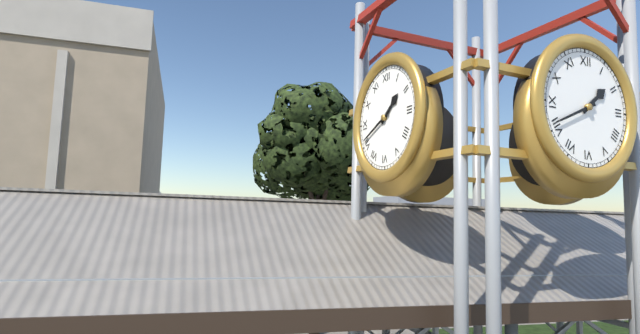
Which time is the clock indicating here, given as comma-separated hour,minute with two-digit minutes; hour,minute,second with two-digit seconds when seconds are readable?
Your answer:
1,41
